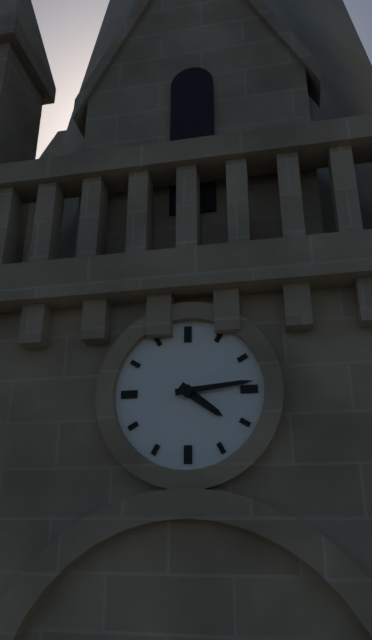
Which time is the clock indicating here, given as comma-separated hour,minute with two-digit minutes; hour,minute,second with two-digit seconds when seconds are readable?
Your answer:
4,14
